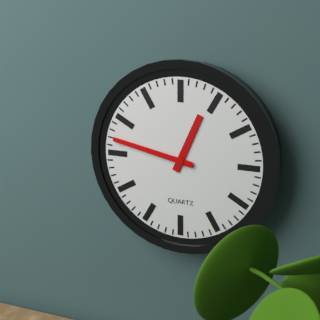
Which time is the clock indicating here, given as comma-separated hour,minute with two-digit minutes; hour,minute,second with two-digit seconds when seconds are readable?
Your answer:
12,47
